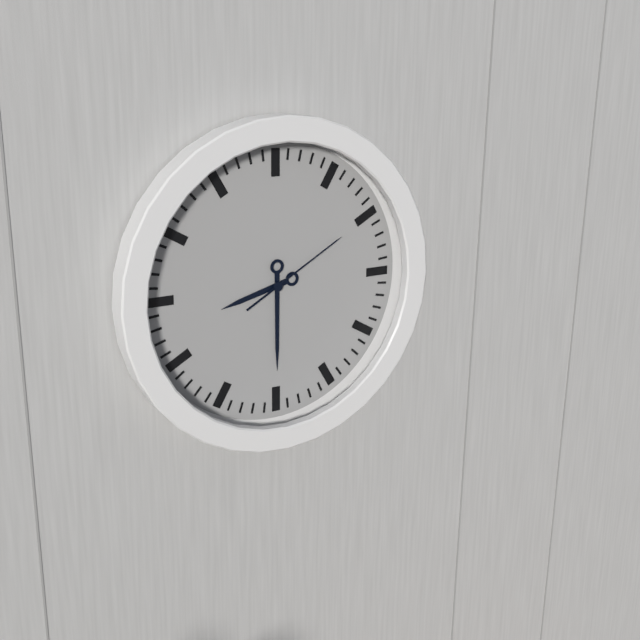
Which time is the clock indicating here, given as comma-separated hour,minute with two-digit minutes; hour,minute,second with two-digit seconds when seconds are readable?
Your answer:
8,30,10
